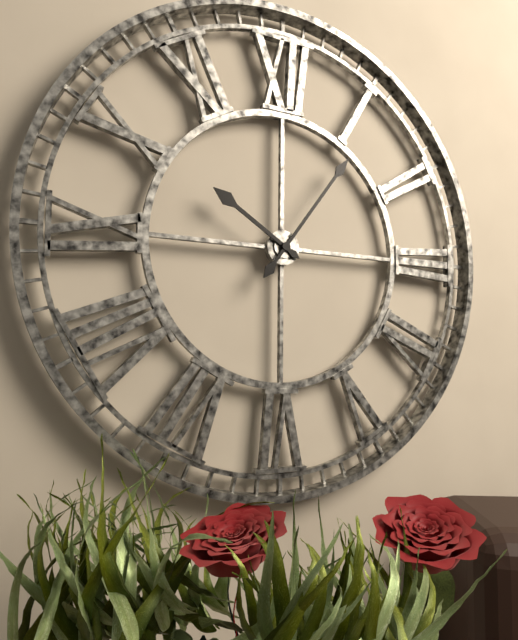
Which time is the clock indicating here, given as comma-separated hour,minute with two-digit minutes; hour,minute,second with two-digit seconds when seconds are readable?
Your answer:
10,06
